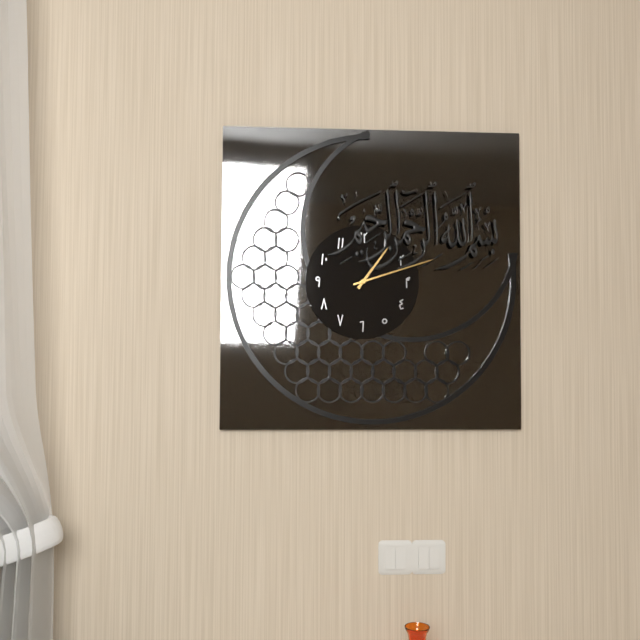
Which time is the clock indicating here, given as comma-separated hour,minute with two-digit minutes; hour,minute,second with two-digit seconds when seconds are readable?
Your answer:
1,12
